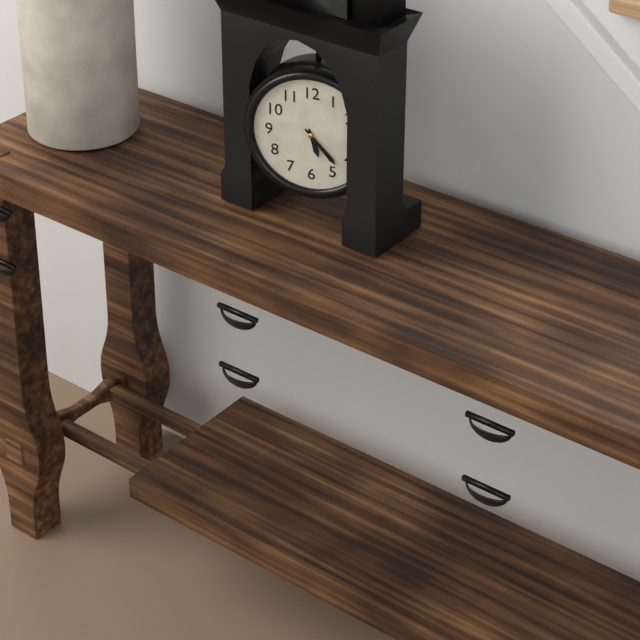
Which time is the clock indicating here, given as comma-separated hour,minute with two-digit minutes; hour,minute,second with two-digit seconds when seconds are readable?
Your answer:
5,23
